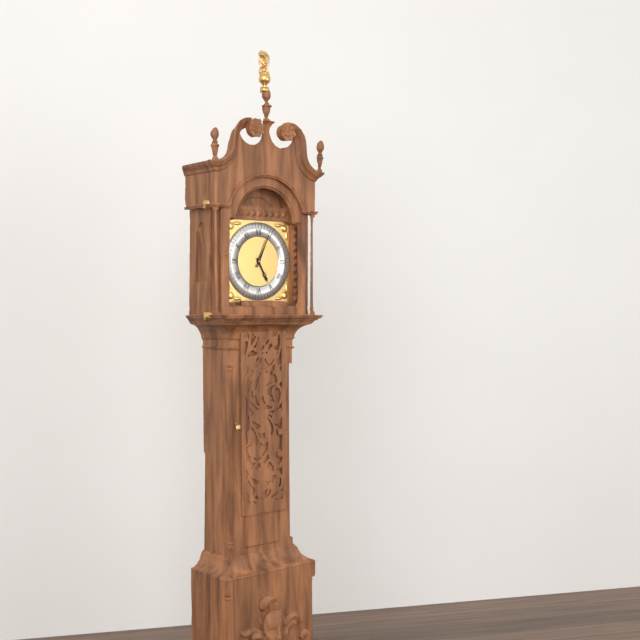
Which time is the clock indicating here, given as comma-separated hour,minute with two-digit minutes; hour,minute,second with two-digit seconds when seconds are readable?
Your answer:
5,04
